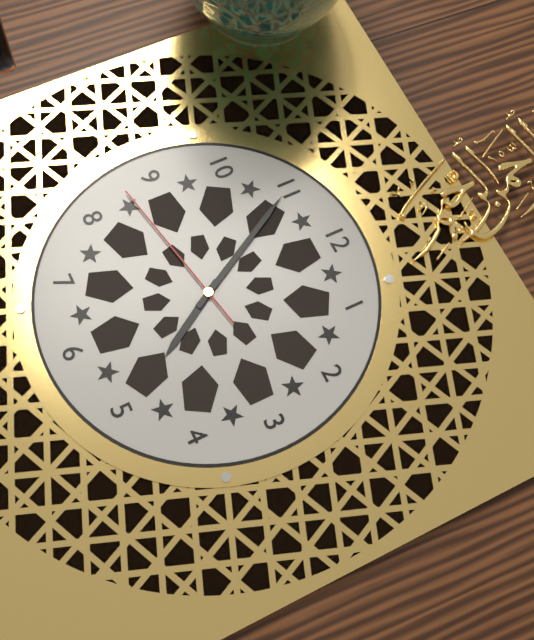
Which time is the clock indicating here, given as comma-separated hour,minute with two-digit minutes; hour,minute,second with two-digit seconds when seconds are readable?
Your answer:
4,55,43
